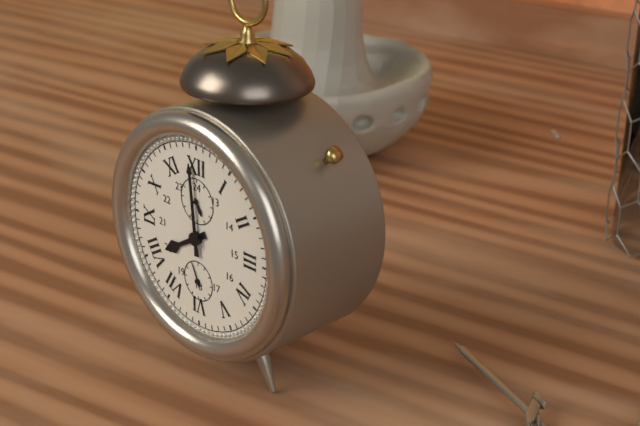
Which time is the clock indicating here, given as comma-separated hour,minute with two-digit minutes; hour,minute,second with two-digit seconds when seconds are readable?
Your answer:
7,59,56
